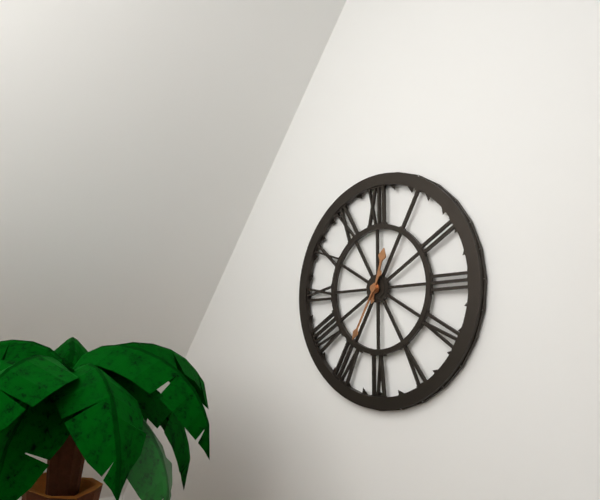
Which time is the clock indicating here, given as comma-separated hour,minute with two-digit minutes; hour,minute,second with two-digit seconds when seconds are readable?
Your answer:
12,35
